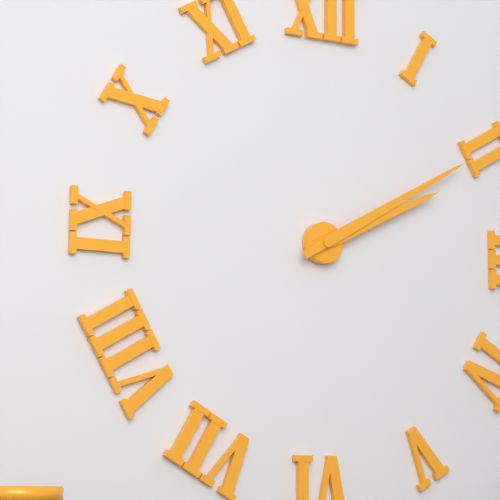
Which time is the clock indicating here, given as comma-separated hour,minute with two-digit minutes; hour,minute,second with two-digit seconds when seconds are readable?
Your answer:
2,10
